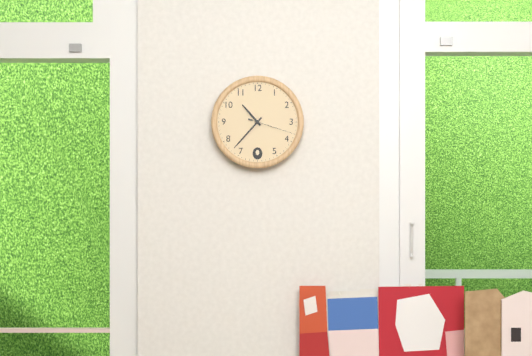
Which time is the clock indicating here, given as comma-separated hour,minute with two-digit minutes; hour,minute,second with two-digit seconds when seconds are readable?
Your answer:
10,37
